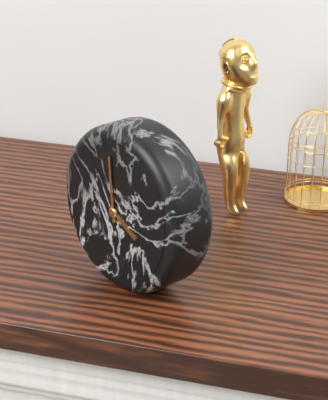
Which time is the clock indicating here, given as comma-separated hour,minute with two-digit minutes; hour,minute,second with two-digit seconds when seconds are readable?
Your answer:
3,59
